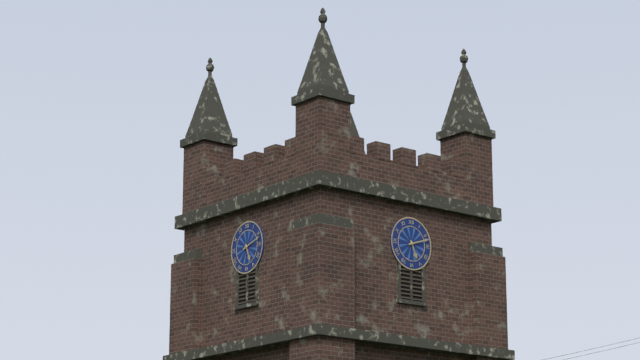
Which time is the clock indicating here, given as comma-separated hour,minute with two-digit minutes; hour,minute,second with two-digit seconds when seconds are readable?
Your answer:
5,12
